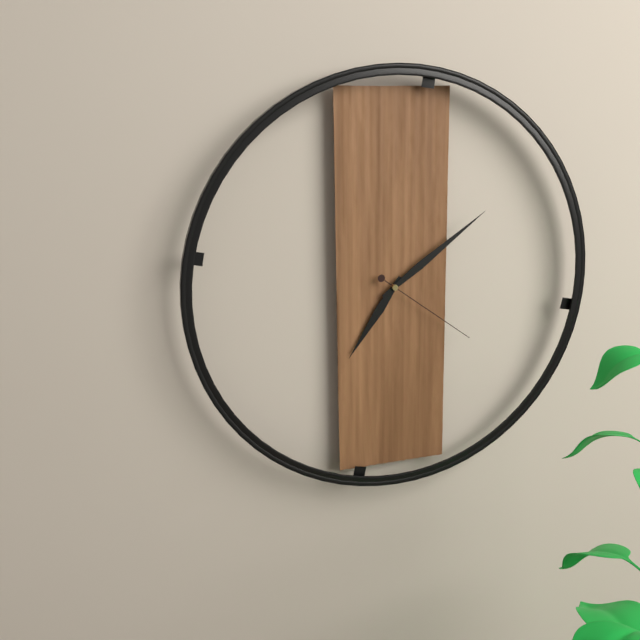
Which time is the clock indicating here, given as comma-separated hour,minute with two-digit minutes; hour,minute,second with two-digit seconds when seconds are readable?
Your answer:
7,09,21
